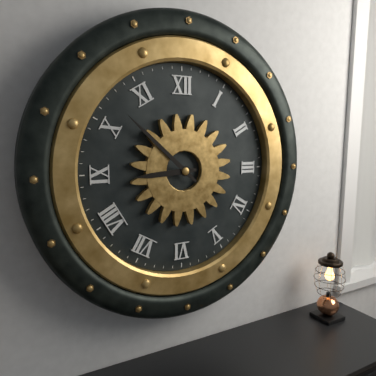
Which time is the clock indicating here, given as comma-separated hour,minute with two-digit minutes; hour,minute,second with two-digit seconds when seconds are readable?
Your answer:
8,52
